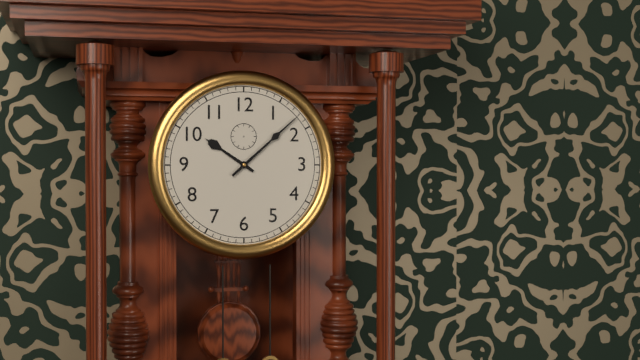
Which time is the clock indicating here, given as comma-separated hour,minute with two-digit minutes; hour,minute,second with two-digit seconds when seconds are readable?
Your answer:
10,08
